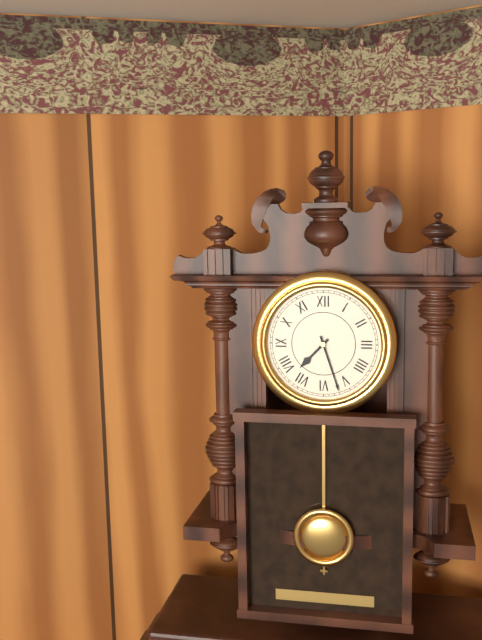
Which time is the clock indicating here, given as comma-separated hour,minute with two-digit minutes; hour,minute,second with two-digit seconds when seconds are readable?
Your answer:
7,27
